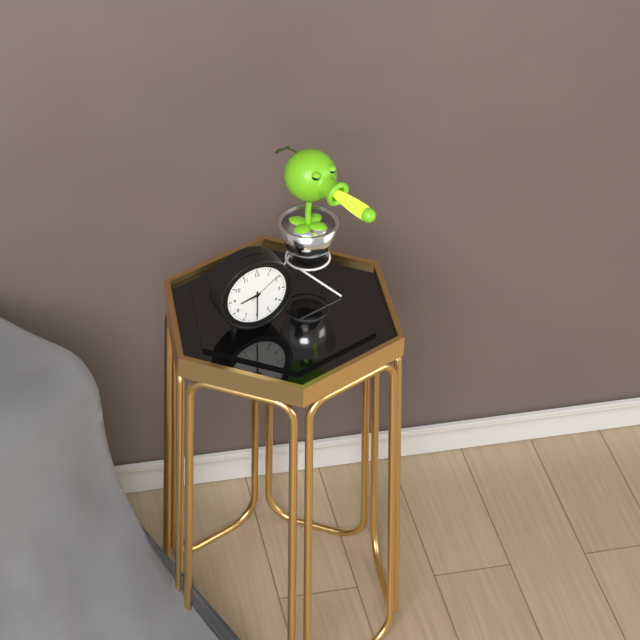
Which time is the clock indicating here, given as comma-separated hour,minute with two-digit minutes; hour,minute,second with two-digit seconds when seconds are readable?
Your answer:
8,30
